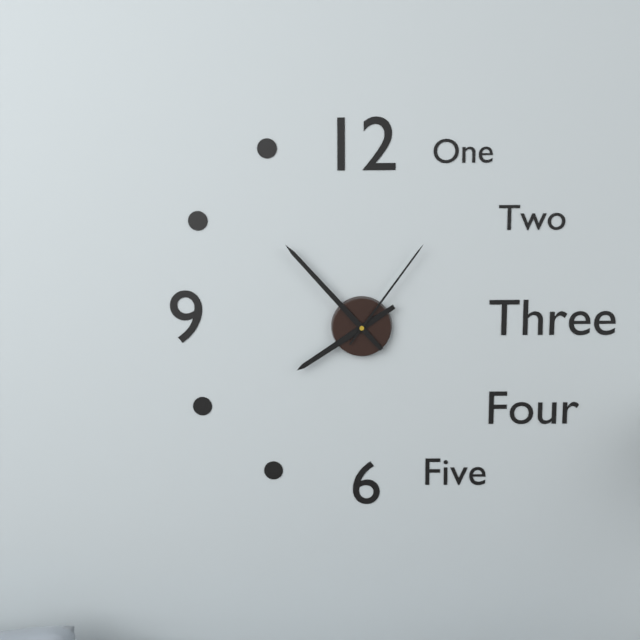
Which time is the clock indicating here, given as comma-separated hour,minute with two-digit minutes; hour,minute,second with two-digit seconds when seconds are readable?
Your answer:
7,53,06
